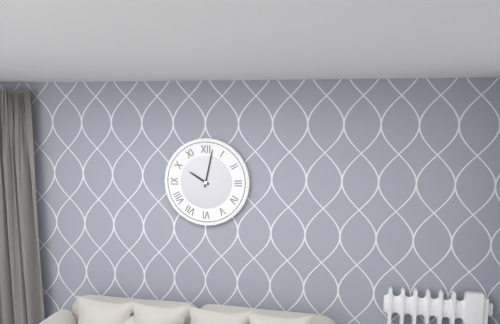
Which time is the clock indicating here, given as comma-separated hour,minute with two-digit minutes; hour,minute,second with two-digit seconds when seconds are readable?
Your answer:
10,02
